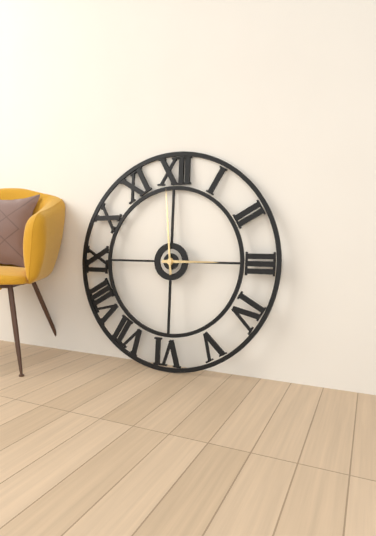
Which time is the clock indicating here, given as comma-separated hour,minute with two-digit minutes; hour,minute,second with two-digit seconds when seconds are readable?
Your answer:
2,59
